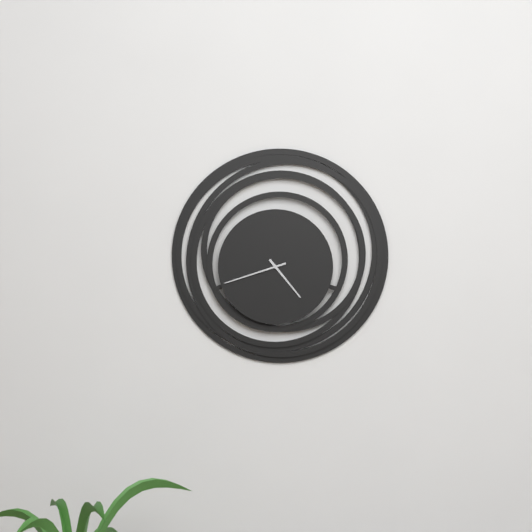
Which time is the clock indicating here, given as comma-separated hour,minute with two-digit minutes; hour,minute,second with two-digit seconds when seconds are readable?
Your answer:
4,42
